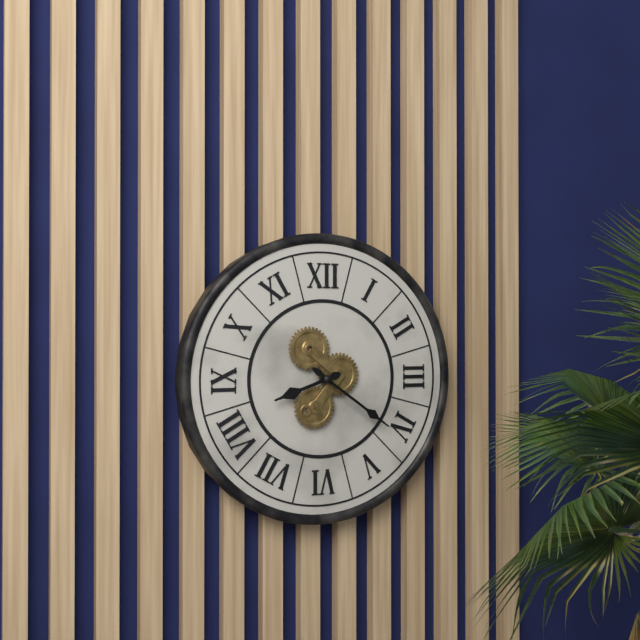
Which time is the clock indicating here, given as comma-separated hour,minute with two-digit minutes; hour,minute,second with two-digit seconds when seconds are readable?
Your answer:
8,21
